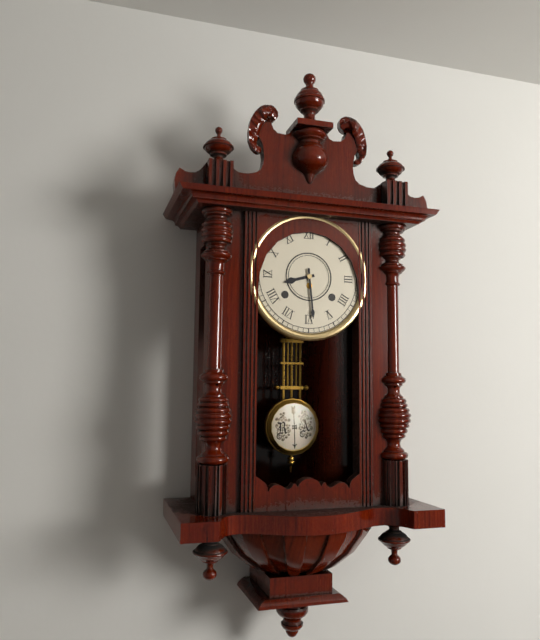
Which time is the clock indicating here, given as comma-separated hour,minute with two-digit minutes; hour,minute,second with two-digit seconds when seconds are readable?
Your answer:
8,29
